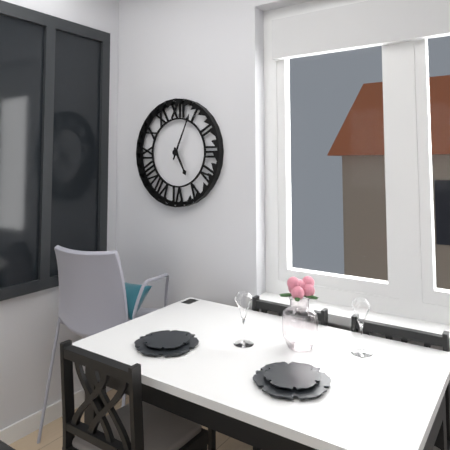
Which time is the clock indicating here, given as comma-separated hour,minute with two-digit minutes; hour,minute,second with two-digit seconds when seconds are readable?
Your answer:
5,04
